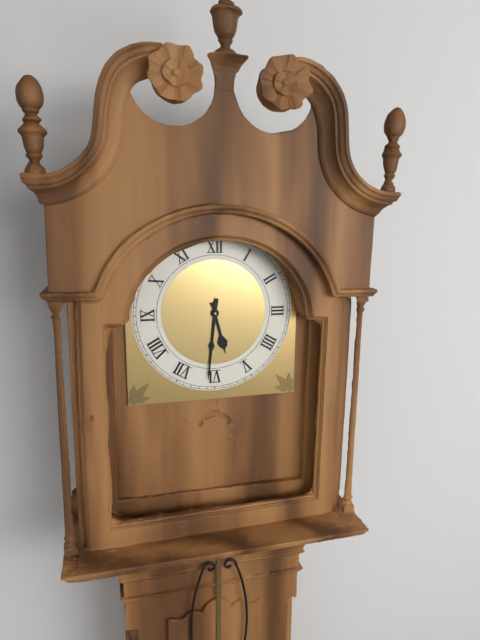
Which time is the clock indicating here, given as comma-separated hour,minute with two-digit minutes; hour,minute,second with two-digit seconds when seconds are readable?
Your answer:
5,31
